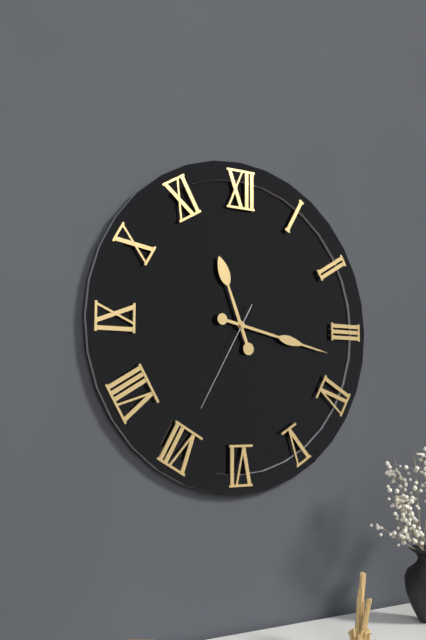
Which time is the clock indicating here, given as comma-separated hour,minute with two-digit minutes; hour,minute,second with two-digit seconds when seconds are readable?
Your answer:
11,17,35
